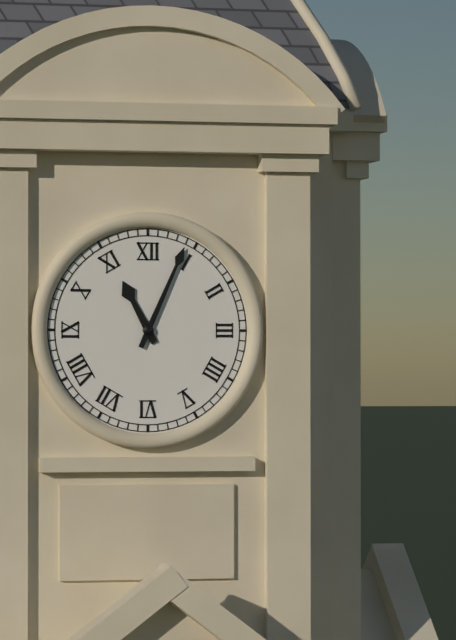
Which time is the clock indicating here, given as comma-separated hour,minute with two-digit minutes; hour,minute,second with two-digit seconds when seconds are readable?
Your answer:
11,04
